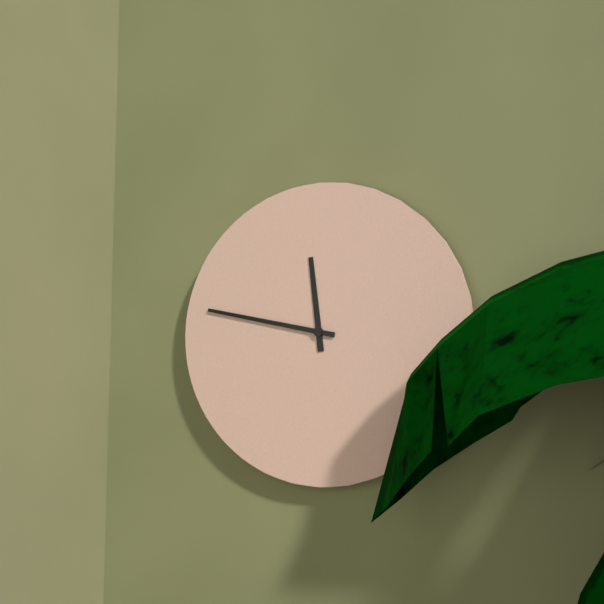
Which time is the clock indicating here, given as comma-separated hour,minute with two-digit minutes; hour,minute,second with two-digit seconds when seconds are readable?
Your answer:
11,47
